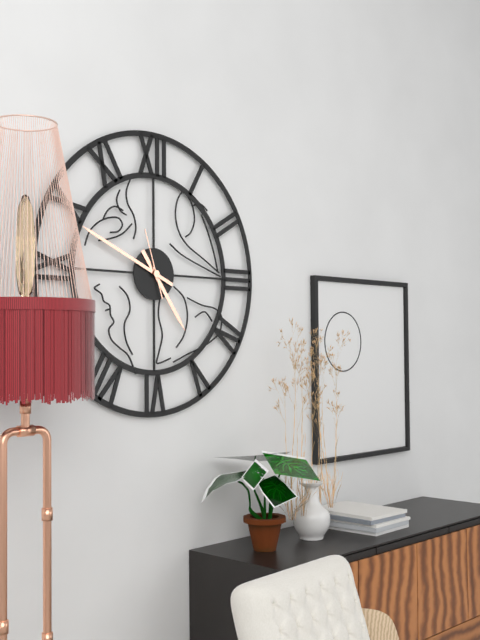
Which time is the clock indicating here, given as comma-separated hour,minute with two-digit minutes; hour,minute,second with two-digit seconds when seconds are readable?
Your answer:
4,49,57
